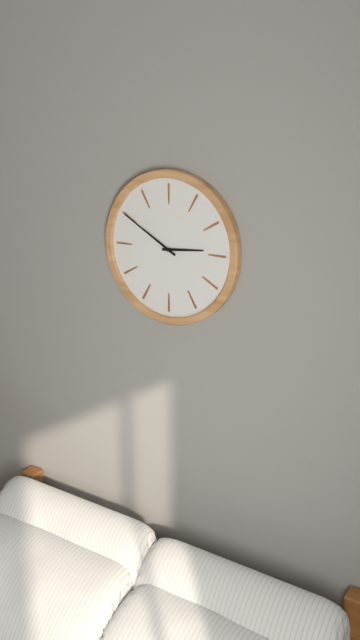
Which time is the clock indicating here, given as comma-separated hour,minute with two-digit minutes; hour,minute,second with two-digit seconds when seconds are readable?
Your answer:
2,50
